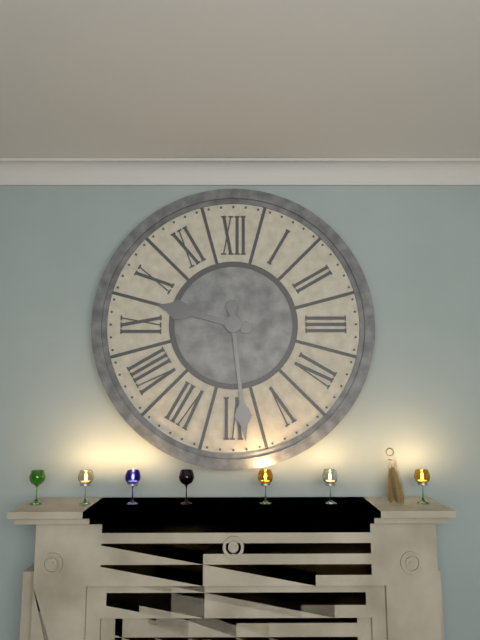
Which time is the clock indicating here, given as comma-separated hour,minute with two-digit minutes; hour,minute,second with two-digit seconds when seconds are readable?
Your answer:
9,29
